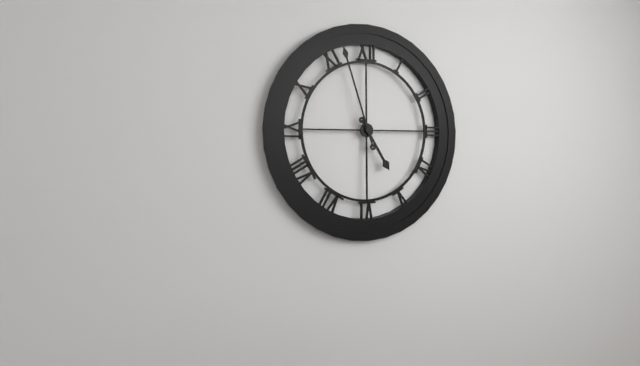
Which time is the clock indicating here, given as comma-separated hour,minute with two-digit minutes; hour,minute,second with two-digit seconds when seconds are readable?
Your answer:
4,57
